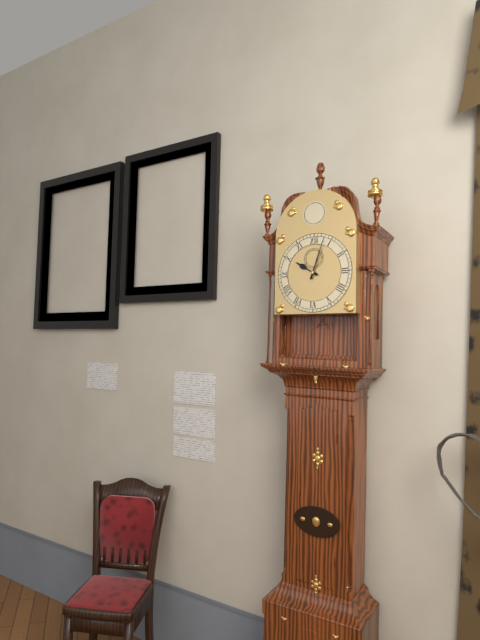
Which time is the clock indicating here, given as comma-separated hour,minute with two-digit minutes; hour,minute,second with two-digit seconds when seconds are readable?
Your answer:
10,03
